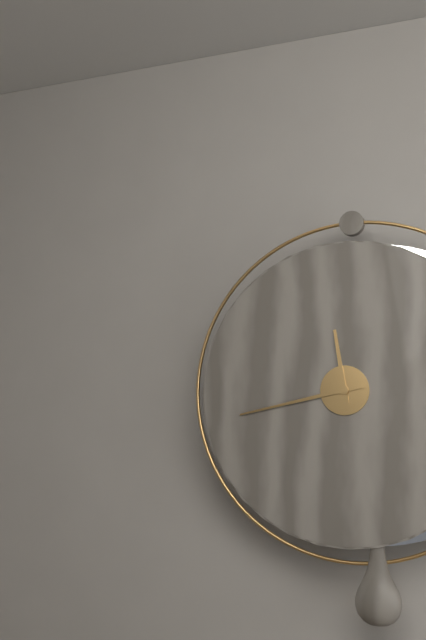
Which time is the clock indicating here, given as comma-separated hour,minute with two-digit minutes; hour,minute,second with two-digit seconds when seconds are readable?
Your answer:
11,43
